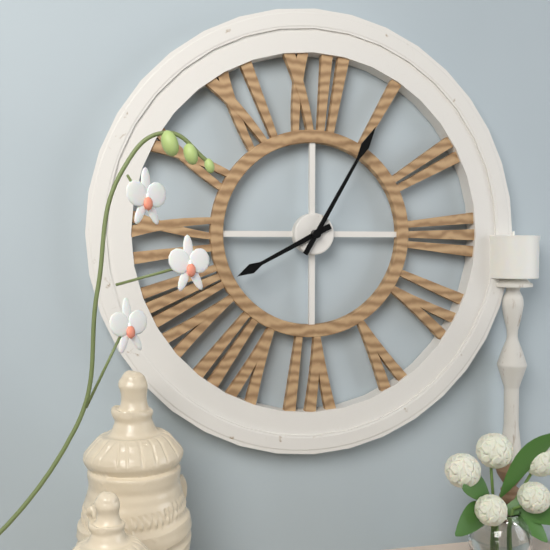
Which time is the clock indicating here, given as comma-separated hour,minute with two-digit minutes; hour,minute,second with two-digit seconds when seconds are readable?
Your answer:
8,05
